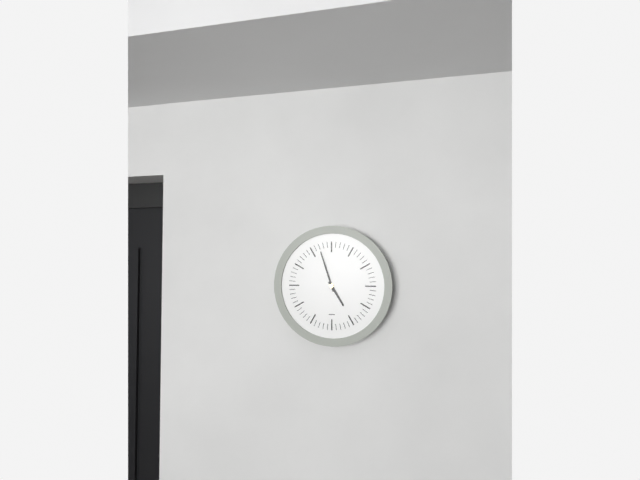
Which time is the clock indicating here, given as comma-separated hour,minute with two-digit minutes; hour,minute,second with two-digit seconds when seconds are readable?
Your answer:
4,57
